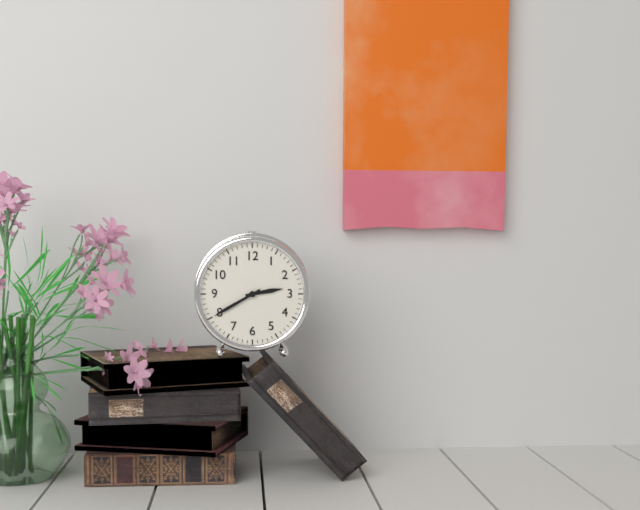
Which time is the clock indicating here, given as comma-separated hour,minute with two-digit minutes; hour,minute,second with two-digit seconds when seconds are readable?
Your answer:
2,40
